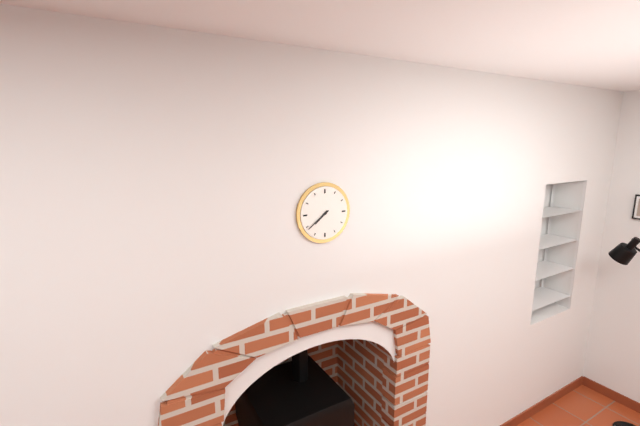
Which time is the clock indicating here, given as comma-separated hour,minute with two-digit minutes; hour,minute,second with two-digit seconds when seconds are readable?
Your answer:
7,39
